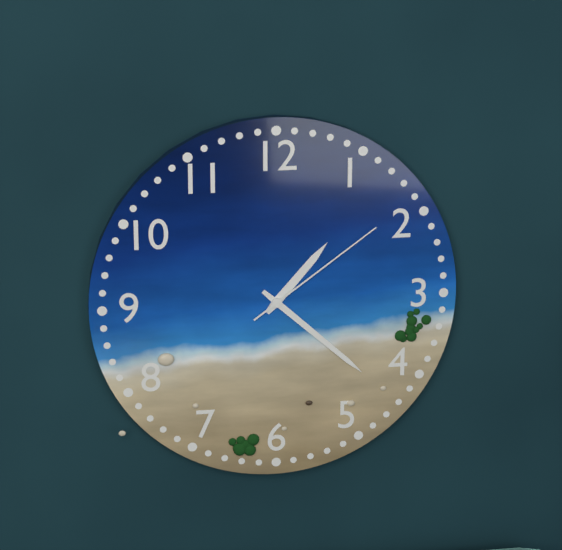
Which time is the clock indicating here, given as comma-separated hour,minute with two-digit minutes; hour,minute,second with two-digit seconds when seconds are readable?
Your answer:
1,22,09
